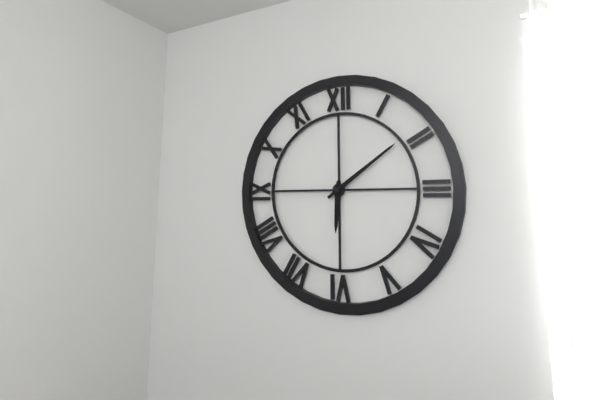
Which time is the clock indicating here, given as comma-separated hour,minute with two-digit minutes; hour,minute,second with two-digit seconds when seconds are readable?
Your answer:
6,09
